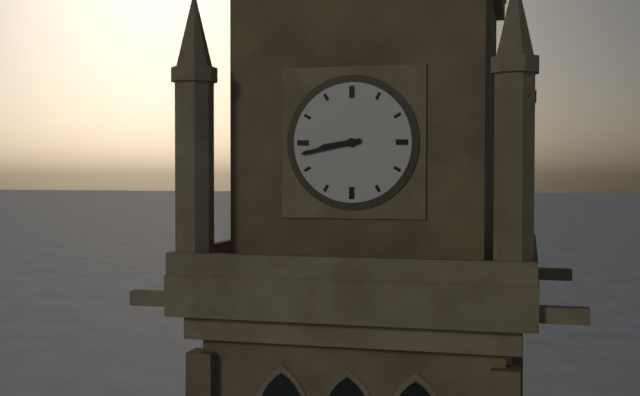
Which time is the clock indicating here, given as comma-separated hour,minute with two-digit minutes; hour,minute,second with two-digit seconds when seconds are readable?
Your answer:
8,43
